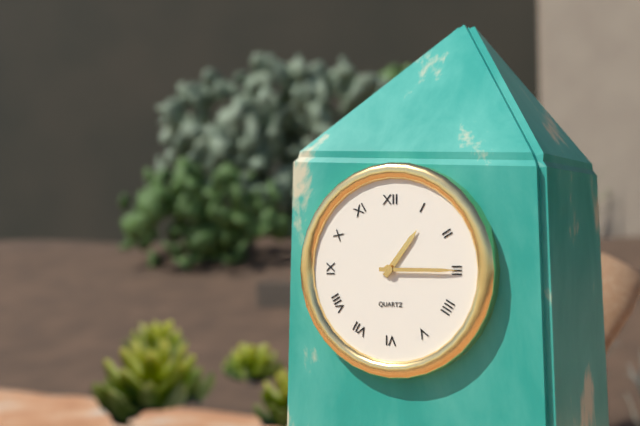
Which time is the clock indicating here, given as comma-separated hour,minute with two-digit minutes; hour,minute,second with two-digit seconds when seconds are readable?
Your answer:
1,15
